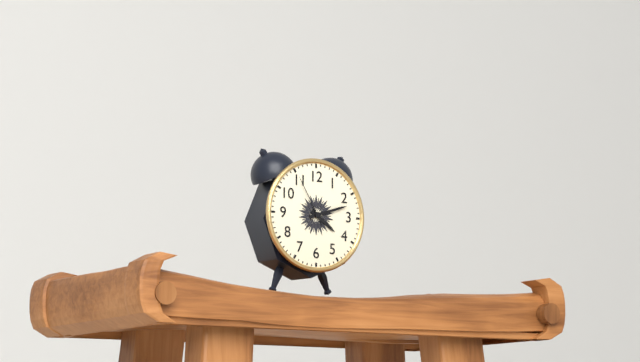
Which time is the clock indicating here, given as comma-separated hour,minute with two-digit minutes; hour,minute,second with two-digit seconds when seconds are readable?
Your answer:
4,12,55
